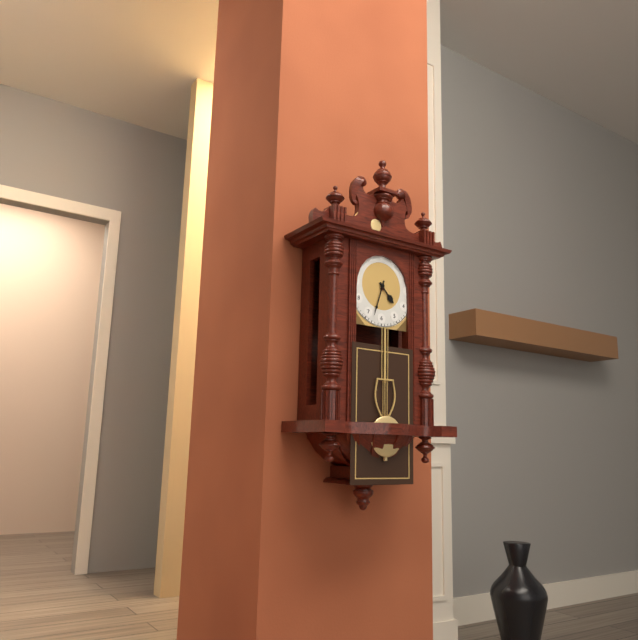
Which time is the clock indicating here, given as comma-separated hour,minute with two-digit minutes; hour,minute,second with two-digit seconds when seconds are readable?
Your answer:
4,33
